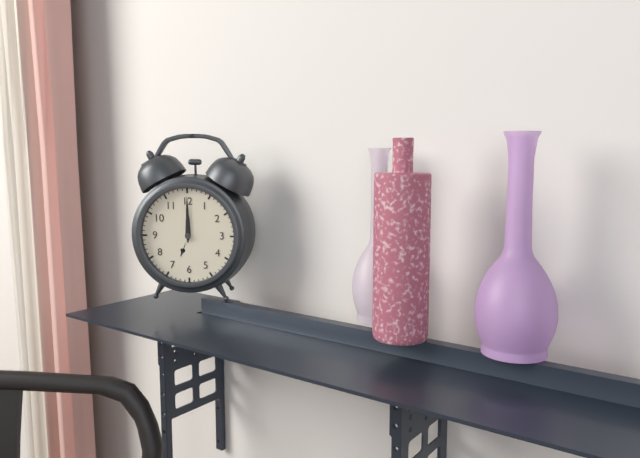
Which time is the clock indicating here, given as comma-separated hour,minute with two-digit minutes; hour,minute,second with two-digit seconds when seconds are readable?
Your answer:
12,00
